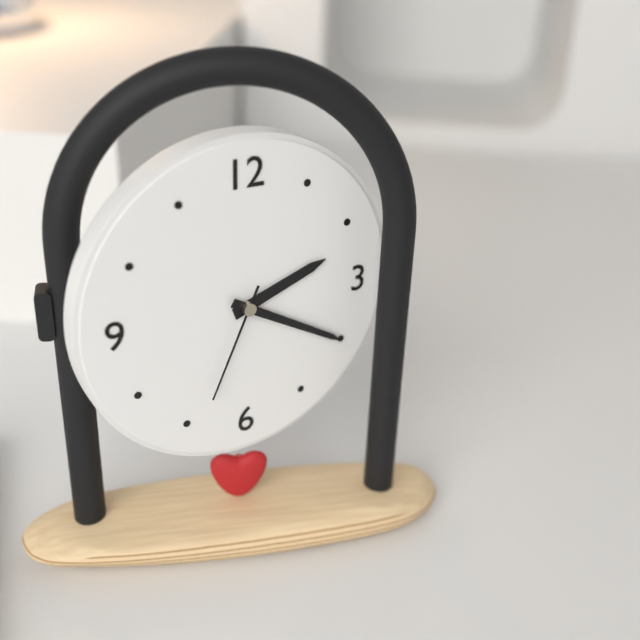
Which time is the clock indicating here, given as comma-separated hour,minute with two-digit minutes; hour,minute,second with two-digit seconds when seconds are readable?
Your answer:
2,20,34
